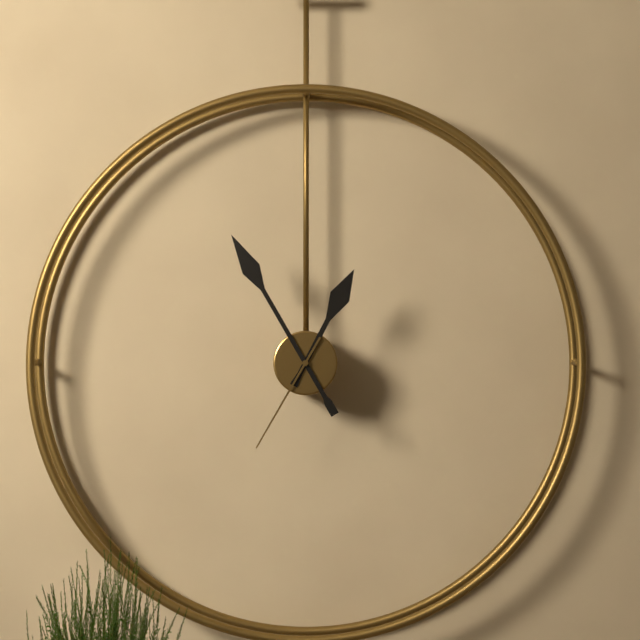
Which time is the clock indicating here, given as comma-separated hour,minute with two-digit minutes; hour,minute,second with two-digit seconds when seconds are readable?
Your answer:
12,55,35
